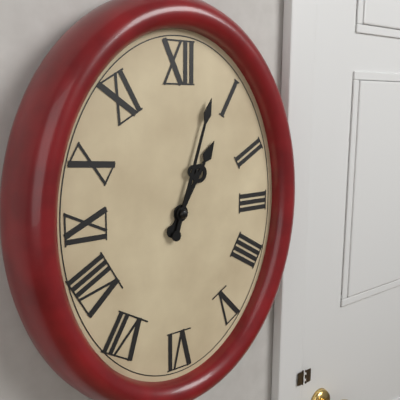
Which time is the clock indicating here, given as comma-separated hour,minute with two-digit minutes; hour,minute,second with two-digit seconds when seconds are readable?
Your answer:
1,03
